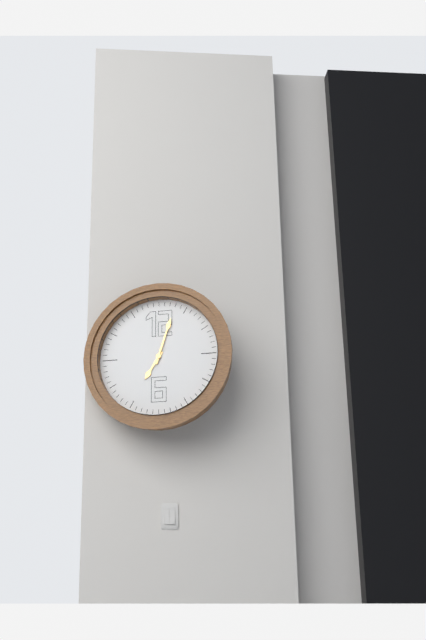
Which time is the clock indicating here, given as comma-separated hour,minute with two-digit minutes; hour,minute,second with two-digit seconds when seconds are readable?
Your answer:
7,03
